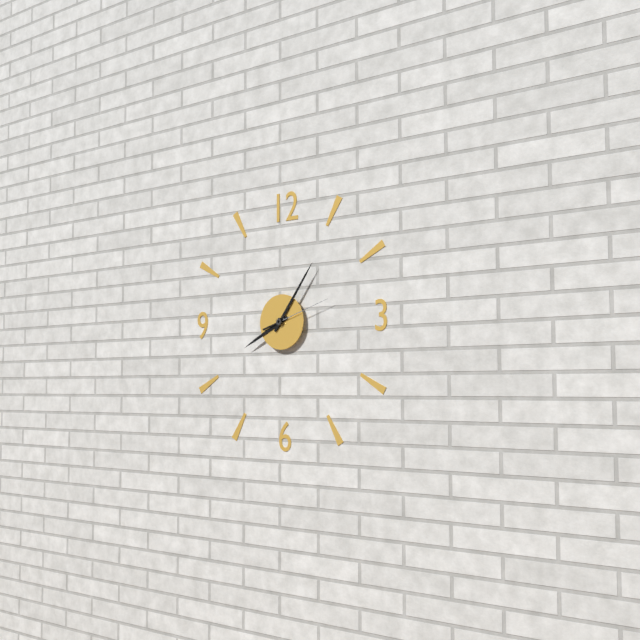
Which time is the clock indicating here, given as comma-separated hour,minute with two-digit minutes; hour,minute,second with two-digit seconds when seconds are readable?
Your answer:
8,06,12
